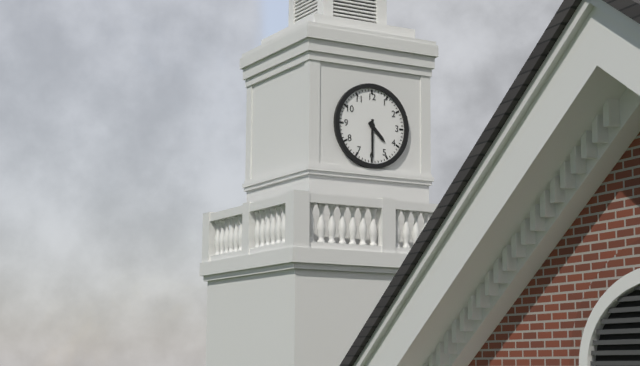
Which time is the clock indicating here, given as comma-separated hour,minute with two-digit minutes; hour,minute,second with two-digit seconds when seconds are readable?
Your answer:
4,30
